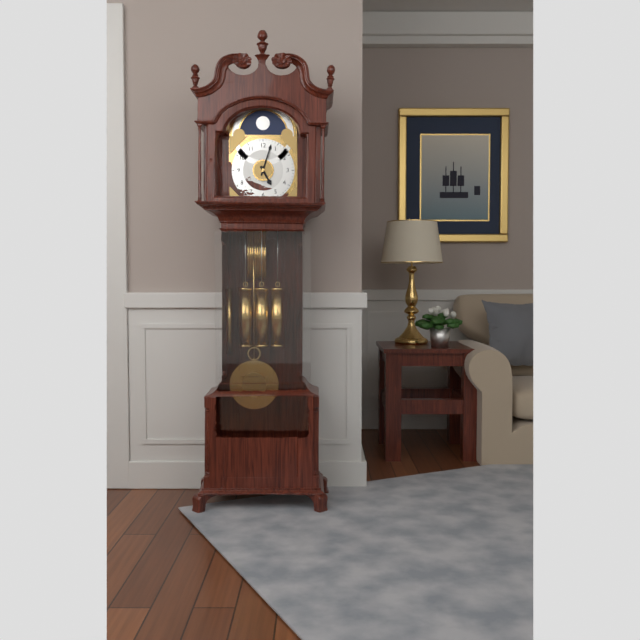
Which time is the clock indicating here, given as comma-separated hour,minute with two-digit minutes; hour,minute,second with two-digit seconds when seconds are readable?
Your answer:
5,03
